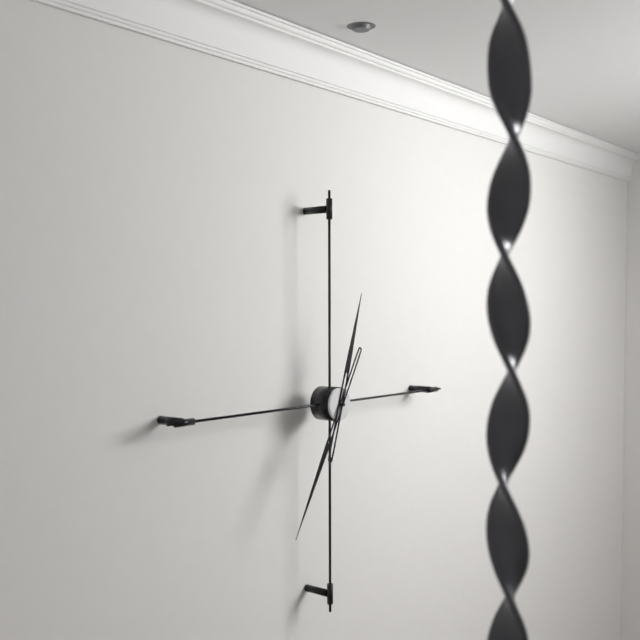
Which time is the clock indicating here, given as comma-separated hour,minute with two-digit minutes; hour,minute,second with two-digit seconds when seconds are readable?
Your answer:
12,35
